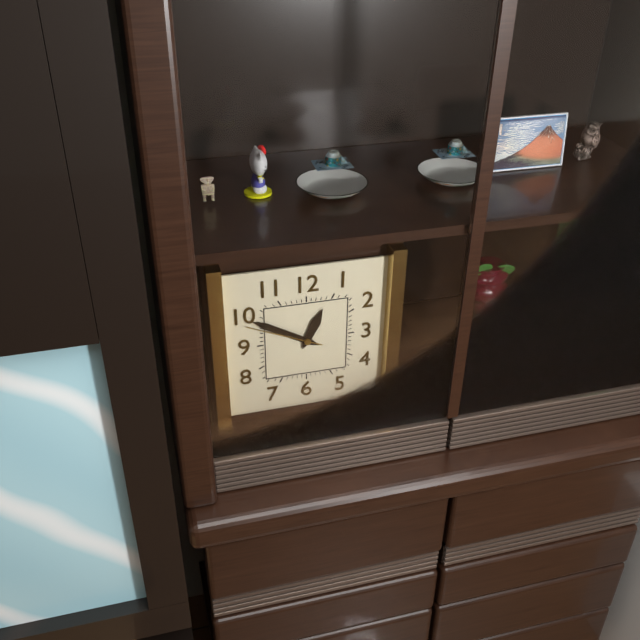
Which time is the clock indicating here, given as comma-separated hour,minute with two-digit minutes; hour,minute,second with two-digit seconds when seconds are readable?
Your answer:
12,50,49
